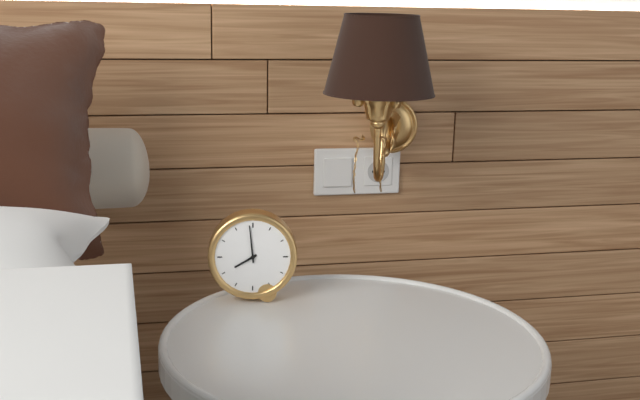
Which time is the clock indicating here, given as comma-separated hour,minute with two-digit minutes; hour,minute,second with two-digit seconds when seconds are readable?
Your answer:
7,59
